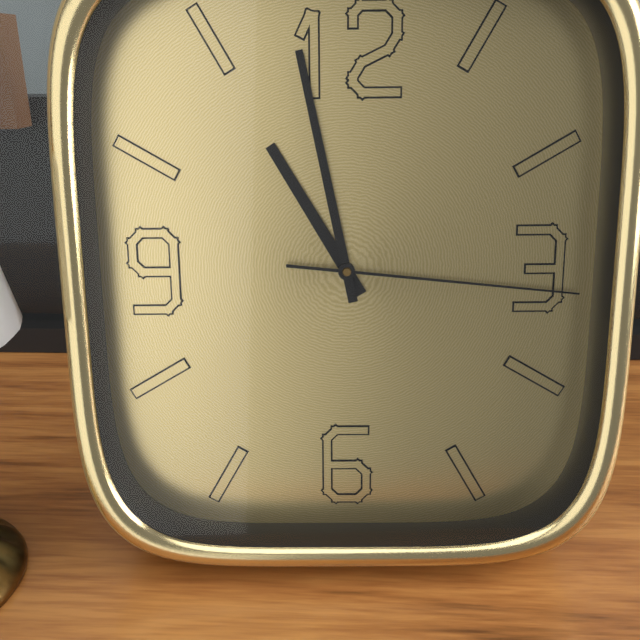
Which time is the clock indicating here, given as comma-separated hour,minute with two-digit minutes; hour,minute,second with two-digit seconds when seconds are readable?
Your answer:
10,58,16
